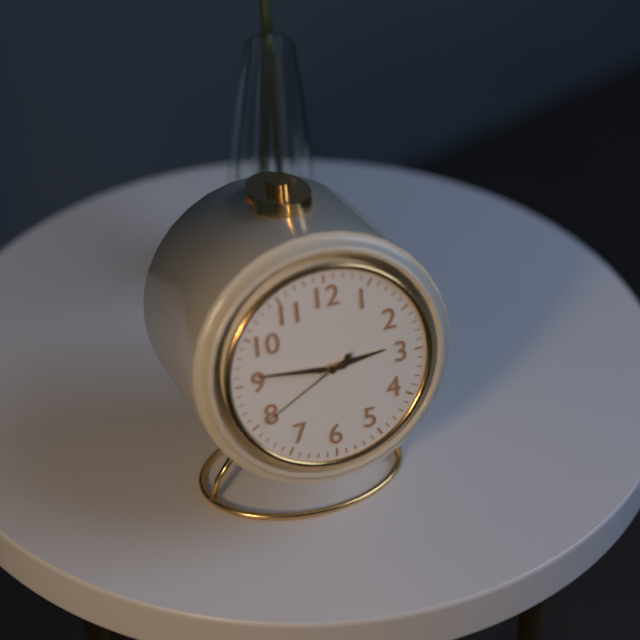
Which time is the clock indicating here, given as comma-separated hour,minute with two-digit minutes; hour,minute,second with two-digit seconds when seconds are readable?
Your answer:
2,46,40
